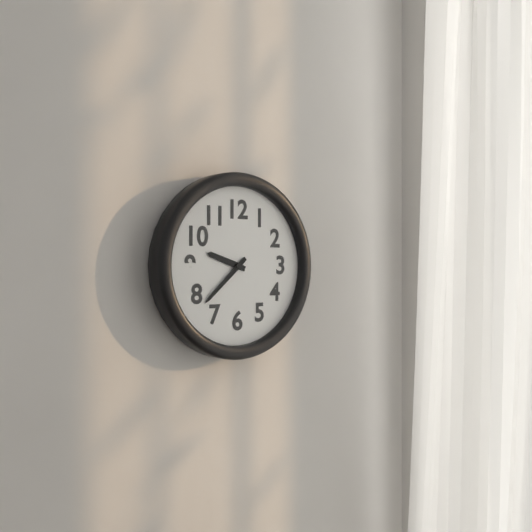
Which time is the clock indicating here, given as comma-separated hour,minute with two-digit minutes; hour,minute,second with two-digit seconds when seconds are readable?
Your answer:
9,38
